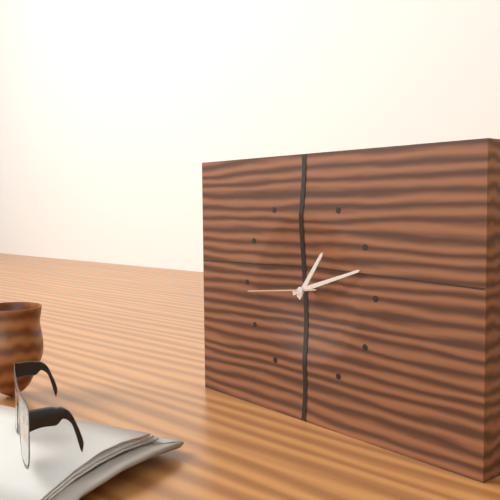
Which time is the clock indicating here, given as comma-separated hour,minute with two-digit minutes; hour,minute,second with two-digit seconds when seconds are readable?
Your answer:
1,12,44
